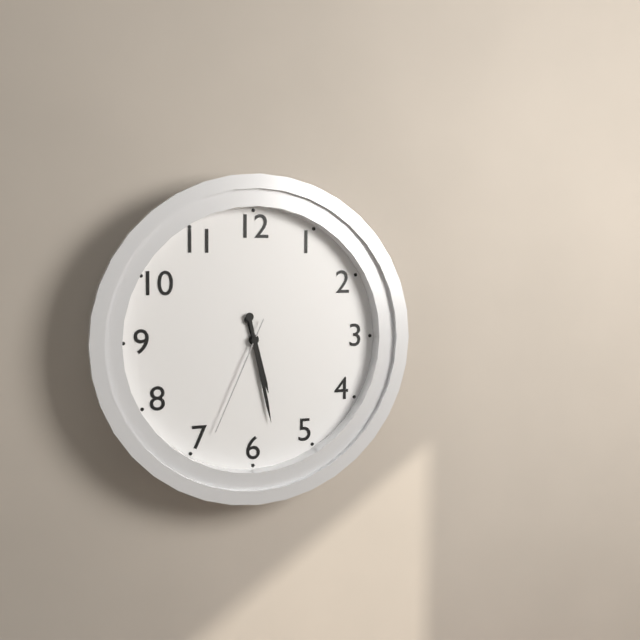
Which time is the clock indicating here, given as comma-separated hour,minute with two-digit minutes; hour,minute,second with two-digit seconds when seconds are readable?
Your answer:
5,28,34
